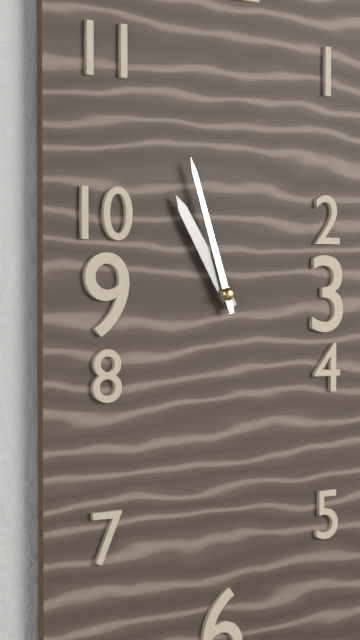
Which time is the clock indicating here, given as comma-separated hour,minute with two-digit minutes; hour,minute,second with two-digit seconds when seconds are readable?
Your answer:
10,57
